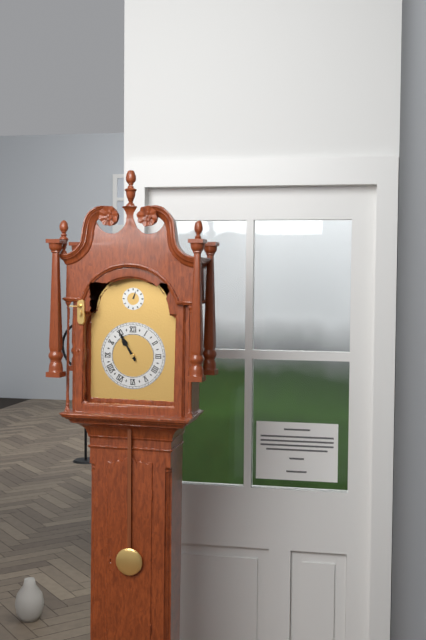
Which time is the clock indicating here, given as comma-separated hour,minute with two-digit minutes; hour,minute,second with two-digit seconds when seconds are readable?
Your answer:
10,55
